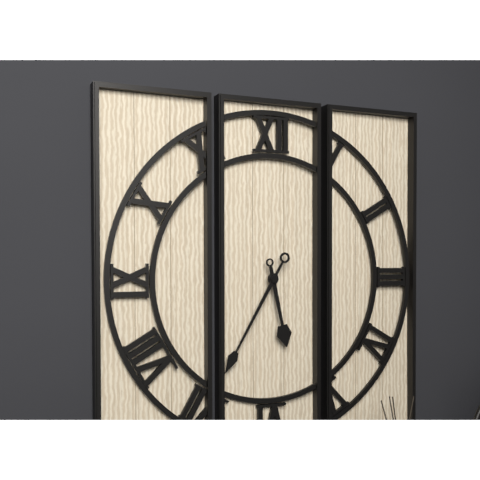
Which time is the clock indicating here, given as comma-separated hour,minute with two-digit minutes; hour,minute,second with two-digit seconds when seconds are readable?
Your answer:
5,35
